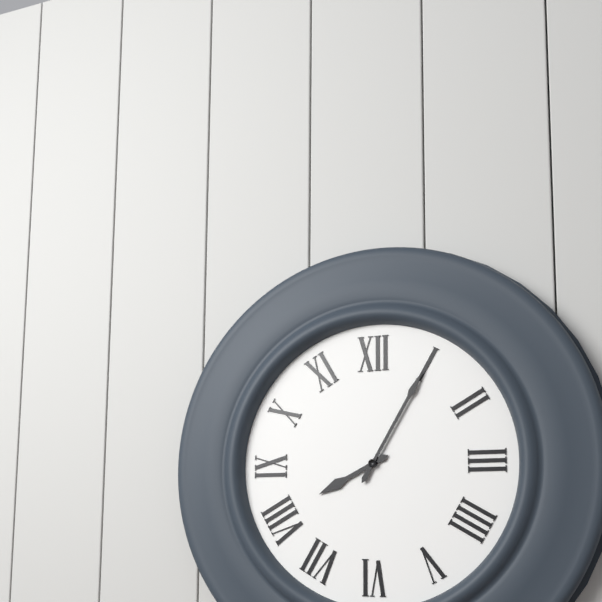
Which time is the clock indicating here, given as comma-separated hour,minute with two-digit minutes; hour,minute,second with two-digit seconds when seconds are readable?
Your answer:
8,05
